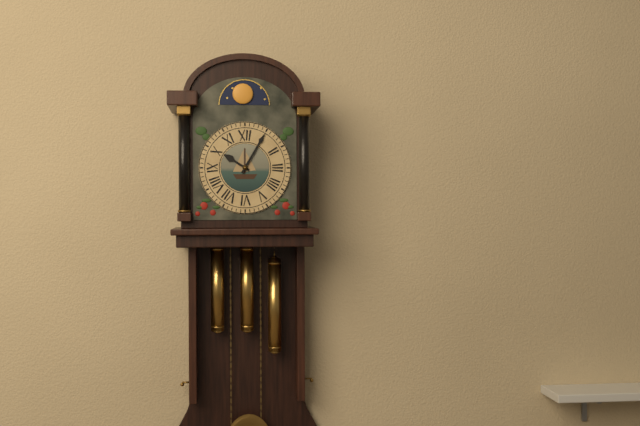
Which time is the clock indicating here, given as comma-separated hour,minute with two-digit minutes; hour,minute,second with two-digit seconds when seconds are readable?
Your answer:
10,05
